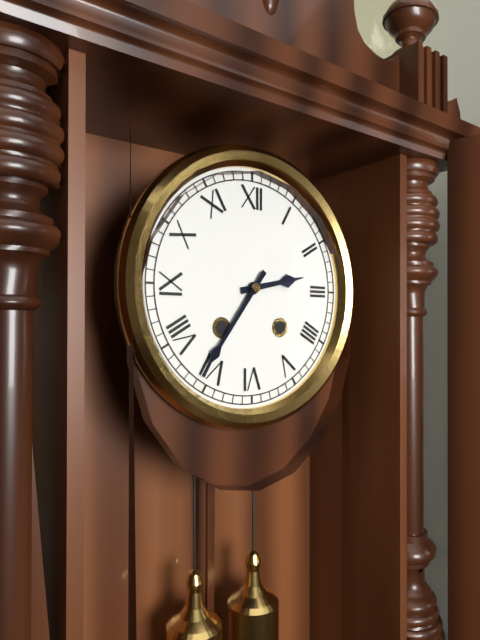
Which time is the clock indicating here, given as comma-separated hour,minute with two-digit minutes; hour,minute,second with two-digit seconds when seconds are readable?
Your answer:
2,36
